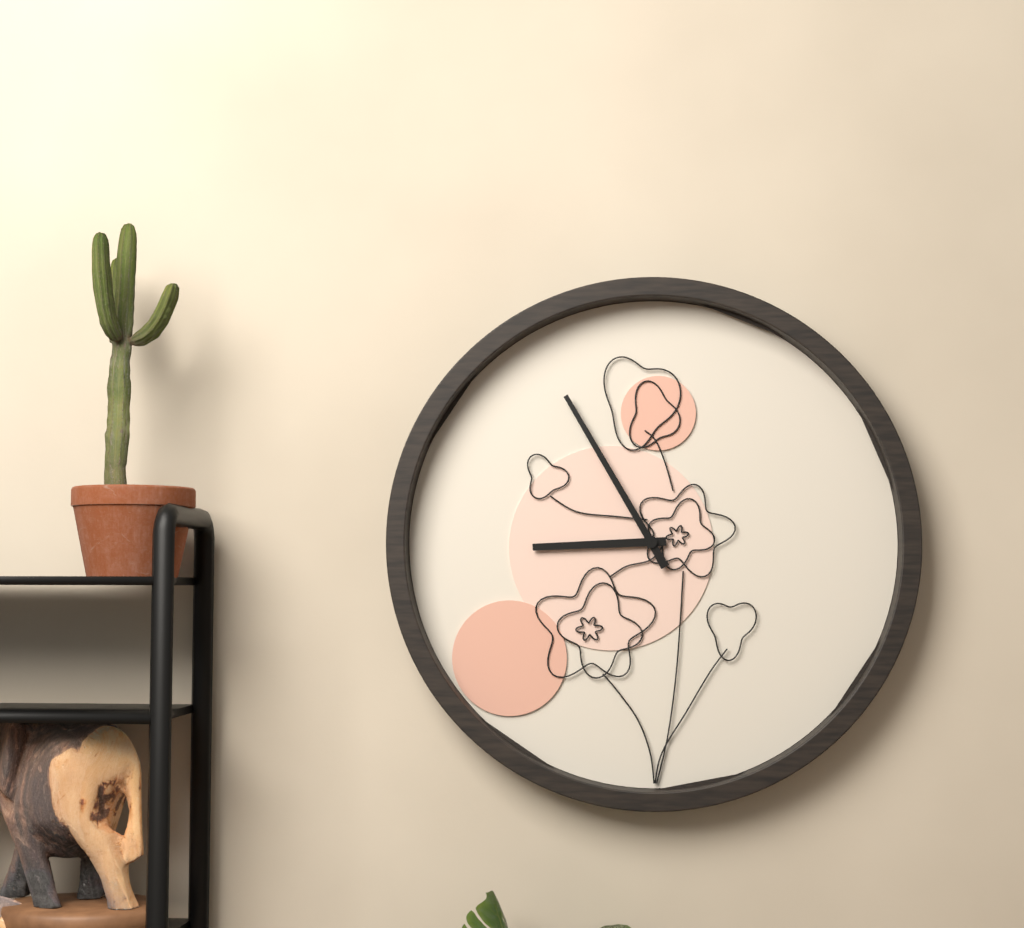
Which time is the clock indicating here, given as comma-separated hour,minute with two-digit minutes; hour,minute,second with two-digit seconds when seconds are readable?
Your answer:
8,55
